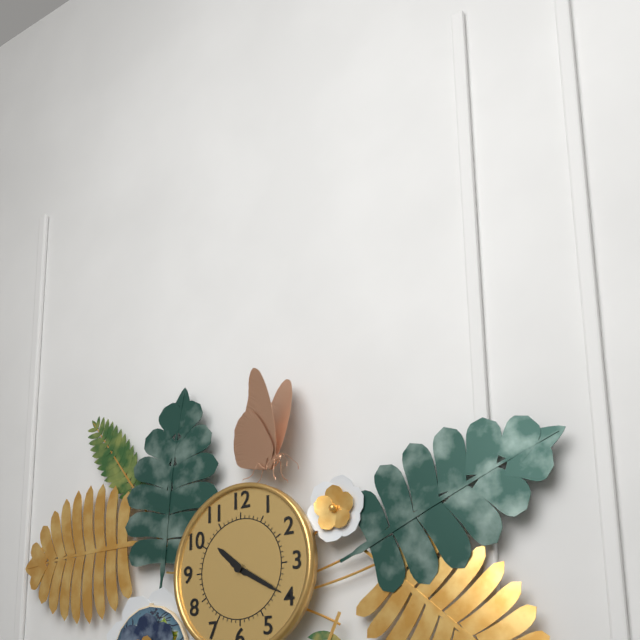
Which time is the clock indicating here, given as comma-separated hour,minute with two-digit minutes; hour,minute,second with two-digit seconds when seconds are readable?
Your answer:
10,20
